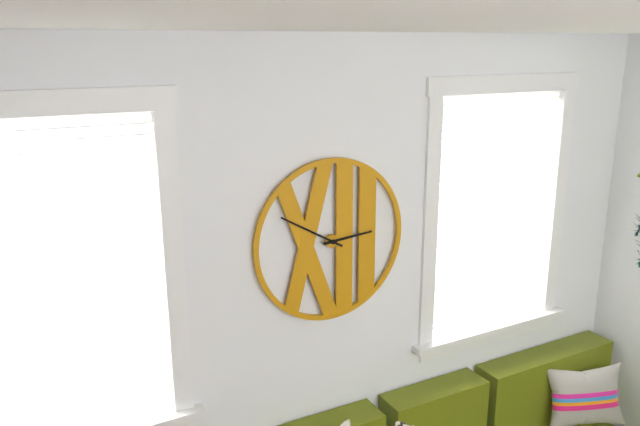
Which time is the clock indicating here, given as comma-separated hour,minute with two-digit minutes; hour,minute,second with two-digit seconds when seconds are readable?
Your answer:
2,50
